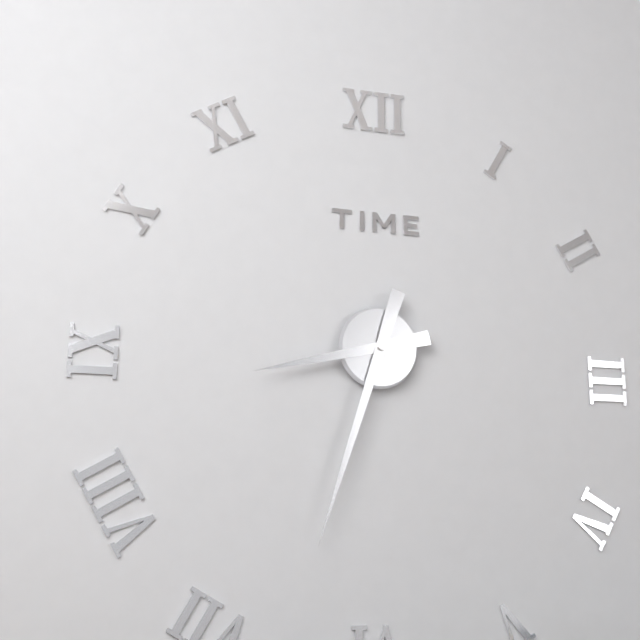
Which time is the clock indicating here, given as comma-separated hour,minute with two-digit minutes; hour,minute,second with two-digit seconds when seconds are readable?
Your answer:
8,33
